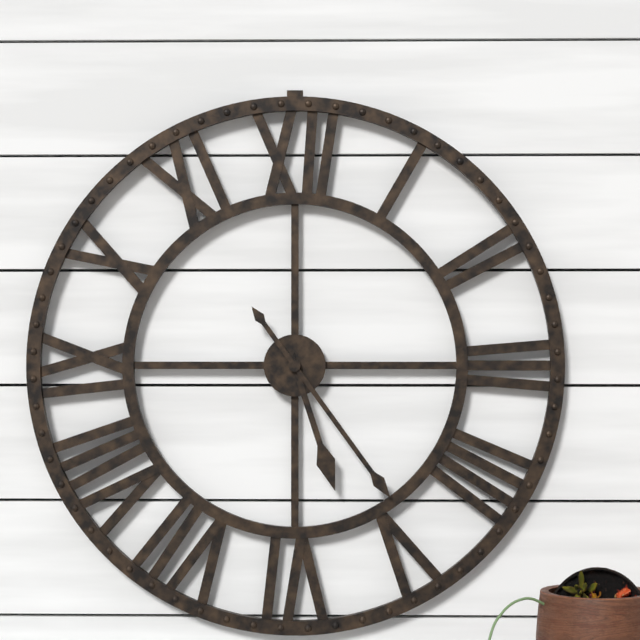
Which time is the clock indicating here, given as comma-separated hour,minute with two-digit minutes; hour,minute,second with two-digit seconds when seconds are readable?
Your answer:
5,24
